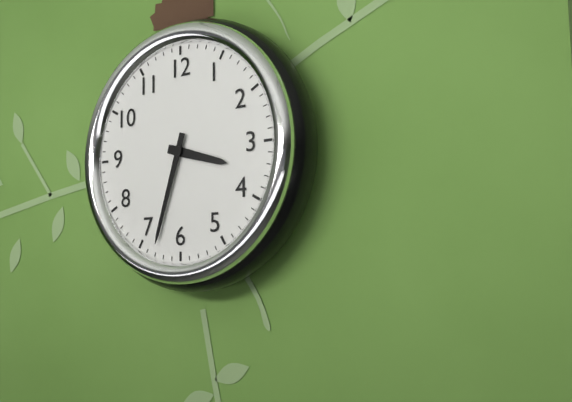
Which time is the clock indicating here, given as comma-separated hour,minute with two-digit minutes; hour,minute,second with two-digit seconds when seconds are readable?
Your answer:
3,33
